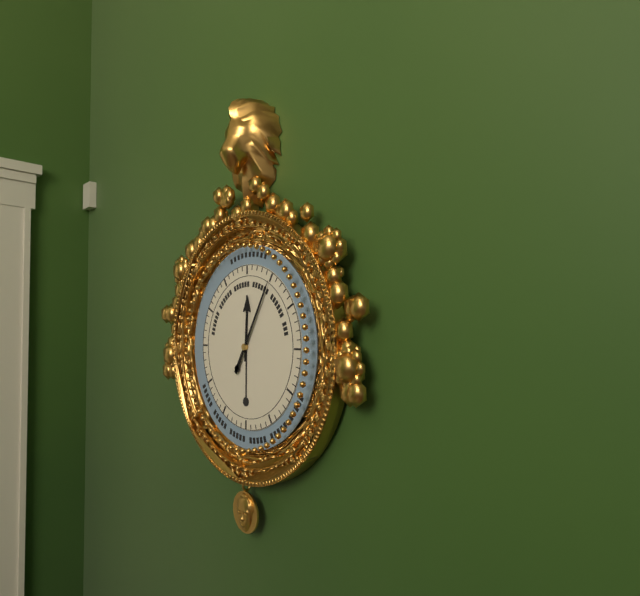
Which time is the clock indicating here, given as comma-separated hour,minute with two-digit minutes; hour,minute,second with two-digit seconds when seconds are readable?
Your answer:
12,05
